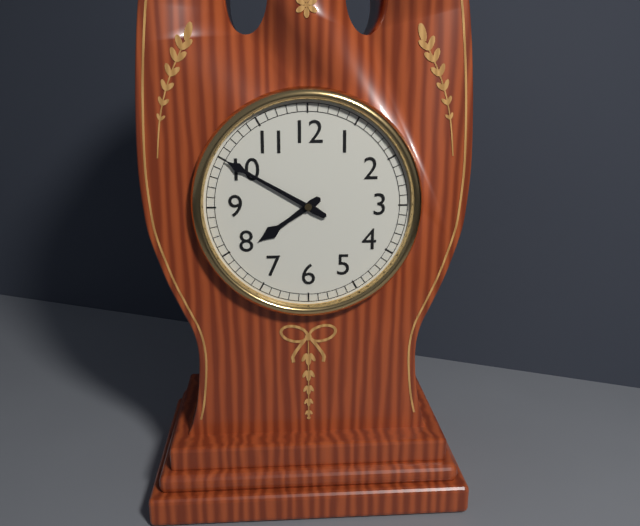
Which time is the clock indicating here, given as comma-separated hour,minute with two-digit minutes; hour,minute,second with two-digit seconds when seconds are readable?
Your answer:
7,50
